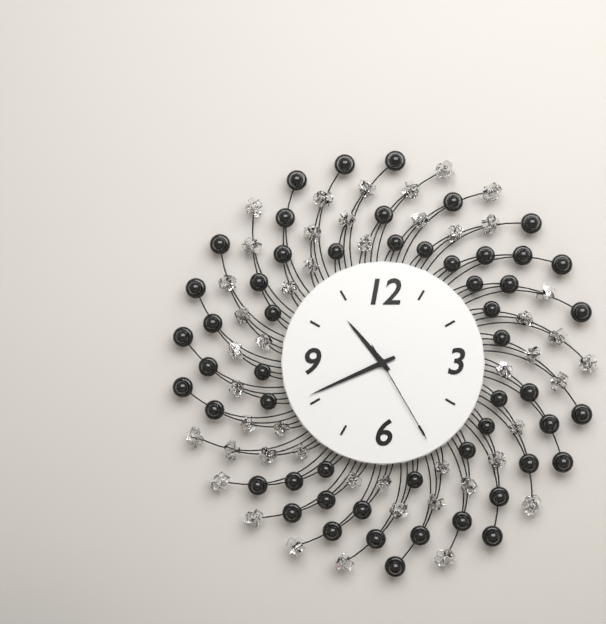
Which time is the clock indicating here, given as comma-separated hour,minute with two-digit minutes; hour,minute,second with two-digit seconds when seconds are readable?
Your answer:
10,41,25
